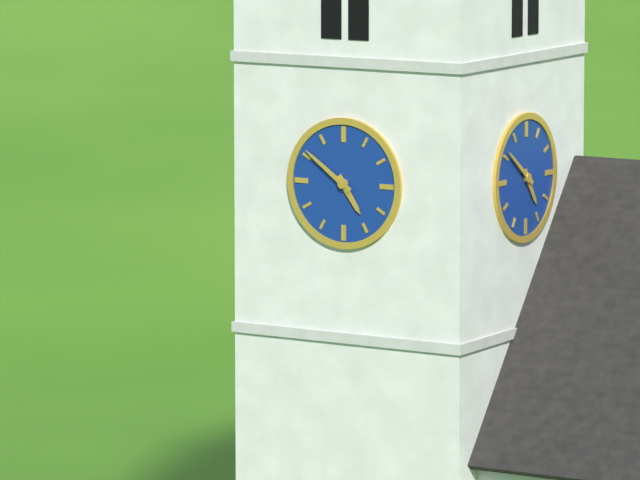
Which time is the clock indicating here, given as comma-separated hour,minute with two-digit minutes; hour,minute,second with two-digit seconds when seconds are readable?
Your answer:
4,51
